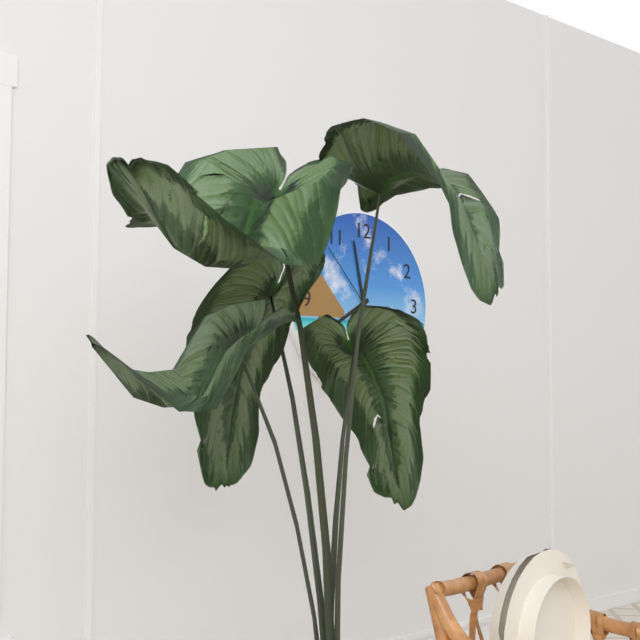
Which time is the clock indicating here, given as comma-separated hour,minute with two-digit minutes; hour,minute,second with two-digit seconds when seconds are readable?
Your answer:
7,58,53
